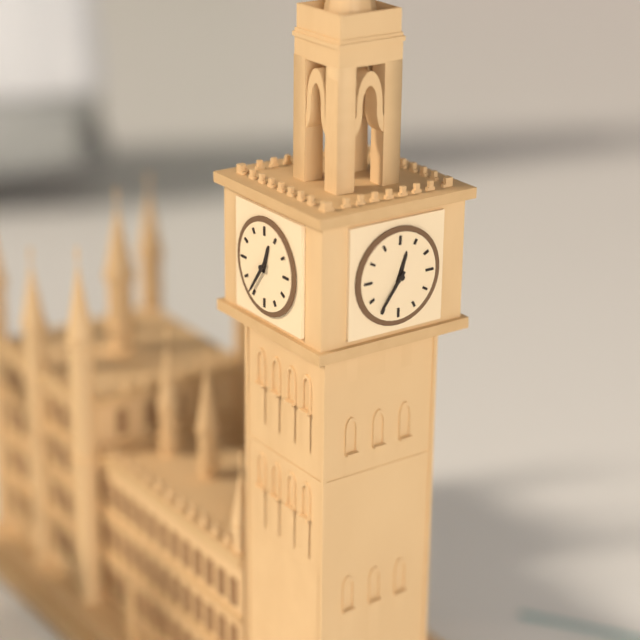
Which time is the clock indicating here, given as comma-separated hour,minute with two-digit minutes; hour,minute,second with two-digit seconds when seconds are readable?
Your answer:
12,36
